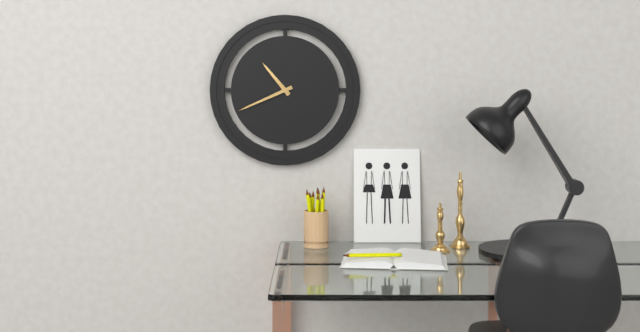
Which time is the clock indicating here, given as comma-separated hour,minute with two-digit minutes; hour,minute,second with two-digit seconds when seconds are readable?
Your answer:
10,41
